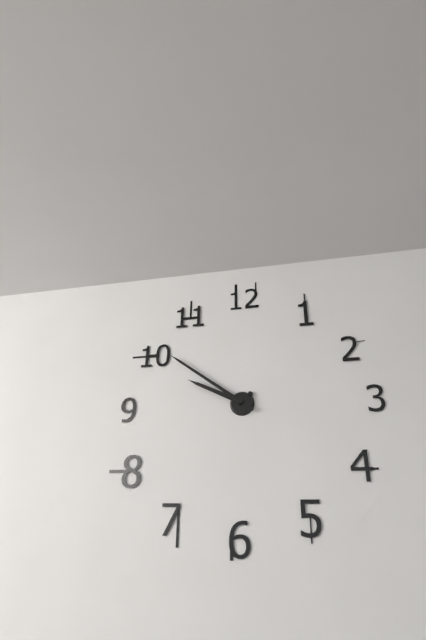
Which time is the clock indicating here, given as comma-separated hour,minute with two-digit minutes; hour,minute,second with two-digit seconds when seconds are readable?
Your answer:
9,51
